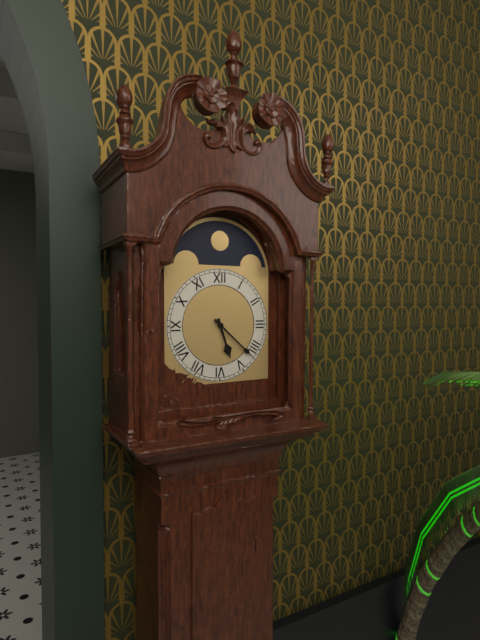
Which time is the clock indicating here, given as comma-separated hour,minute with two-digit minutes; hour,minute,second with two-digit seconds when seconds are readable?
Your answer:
5,22
